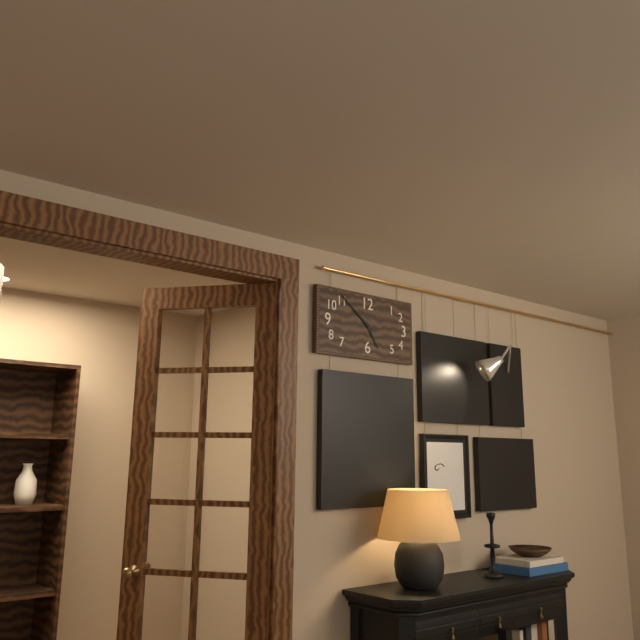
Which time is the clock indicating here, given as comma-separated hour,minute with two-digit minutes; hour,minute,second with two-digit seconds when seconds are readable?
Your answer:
4,51
